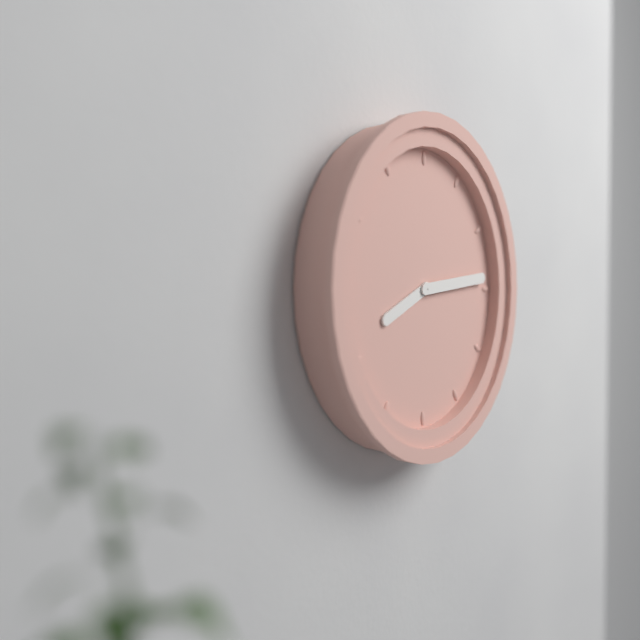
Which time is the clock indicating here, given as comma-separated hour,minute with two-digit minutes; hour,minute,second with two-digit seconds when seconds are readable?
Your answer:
8,14
